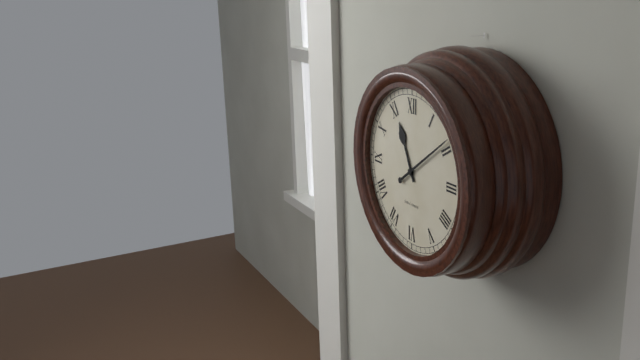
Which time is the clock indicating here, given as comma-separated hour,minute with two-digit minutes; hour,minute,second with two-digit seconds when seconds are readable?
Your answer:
11,09
